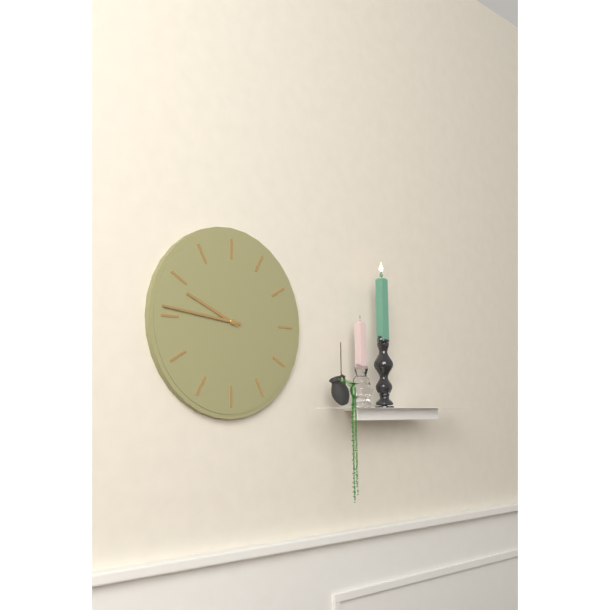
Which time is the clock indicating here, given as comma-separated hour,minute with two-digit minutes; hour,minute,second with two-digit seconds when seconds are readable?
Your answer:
9,46
